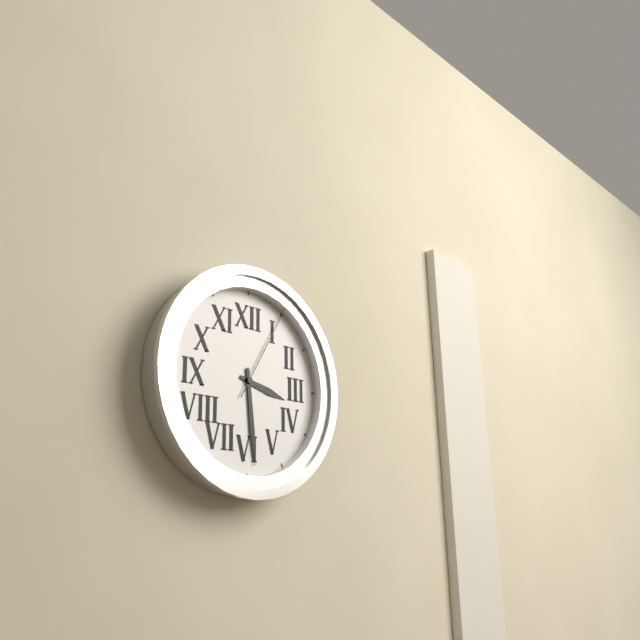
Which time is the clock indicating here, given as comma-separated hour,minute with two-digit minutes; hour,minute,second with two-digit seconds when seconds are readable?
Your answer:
3,29,05
